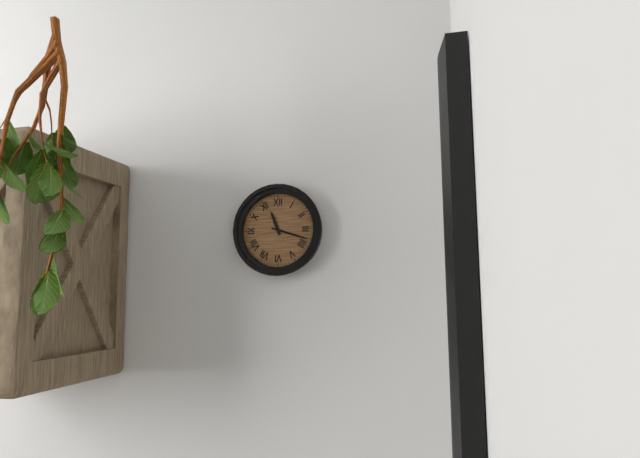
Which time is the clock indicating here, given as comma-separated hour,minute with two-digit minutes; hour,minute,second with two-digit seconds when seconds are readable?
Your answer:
11,18
